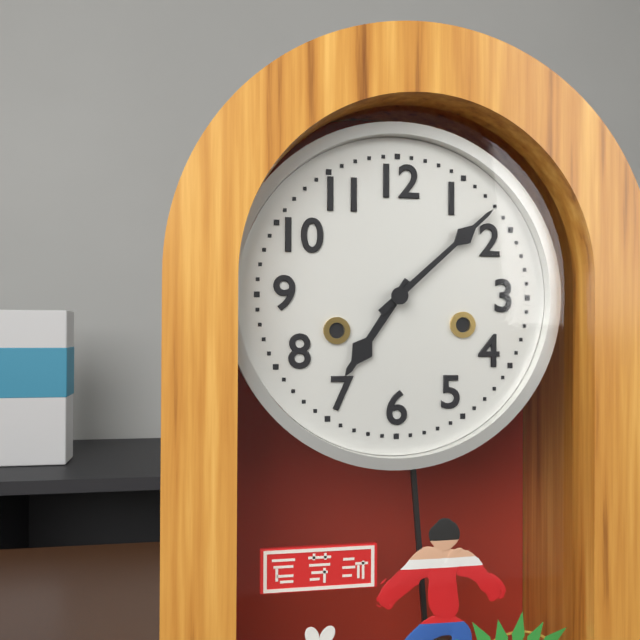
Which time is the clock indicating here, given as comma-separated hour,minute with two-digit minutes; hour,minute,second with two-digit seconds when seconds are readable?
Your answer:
7,08
